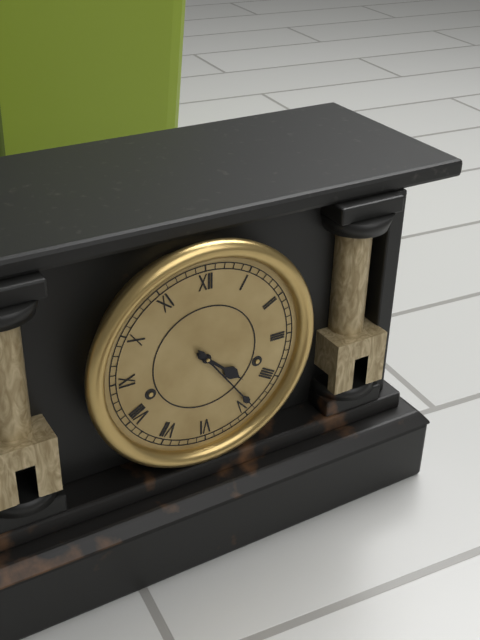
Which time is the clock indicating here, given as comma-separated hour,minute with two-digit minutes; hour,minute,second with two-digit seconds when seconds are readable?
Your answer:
4,24
